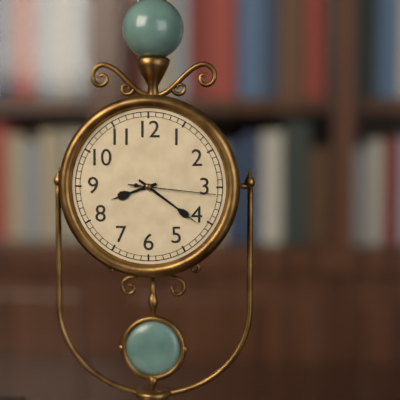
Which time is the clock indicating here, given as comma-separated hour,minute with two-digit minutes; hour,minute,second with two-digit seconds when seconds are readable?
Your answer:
8,21,16
